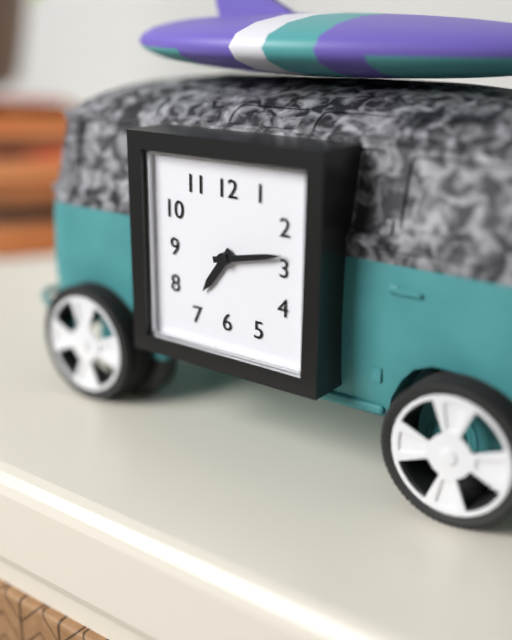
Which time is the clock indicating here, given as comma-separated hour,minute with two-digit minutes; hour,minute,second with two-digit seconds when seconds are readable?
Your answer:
7,13
